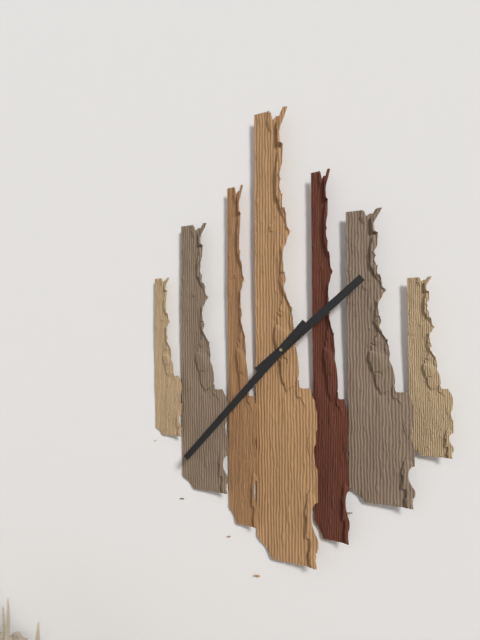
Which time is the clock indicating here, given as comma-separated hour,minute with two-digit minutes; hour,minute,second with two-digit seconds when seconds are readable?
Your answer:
1,37
